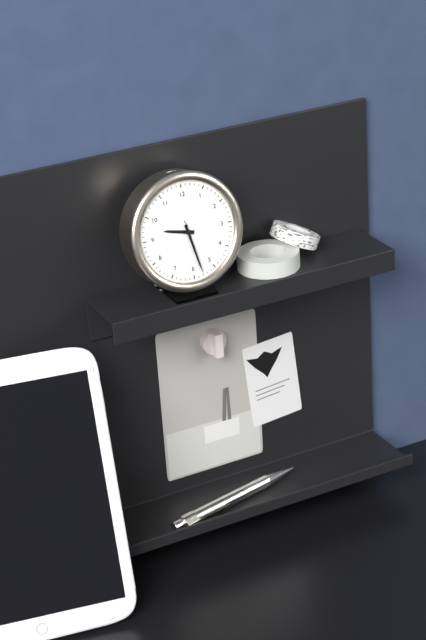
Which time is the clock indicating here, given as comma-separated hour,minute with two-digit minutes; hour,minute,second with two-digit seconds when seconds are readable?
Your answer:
9,28,28
